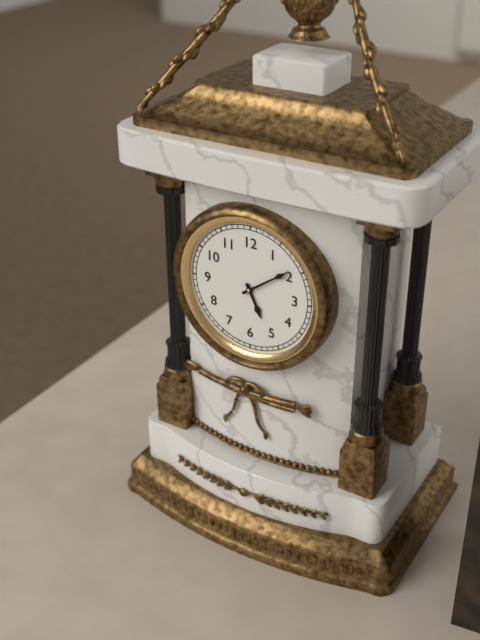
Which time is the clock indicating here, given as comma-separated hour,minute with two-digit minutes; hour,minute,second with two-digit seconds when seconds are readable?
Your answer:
5,09
